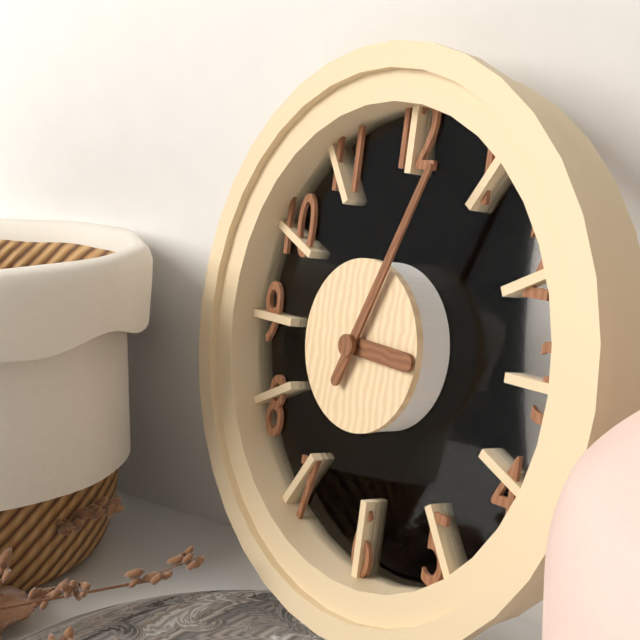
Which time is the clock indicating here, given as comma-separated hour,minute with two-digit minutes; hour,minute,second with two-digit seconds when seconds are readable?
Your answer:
3,04
